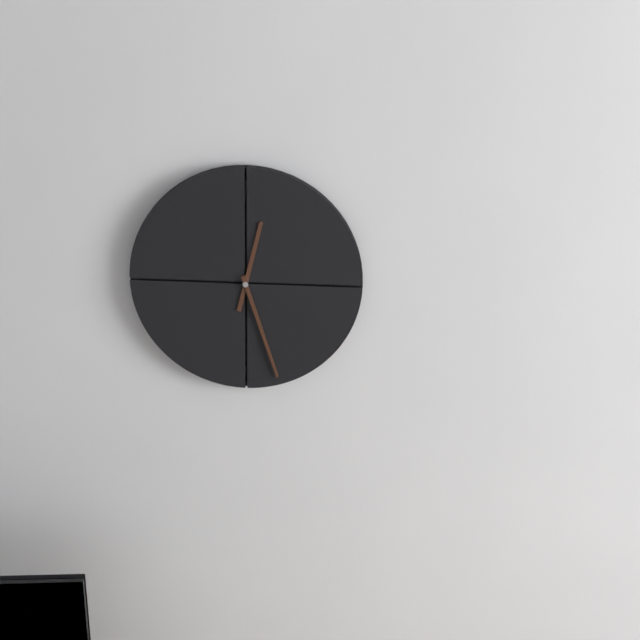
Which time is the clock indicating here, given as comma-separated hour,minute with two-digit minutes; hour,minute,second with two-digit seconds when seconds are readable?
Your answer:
12,27
